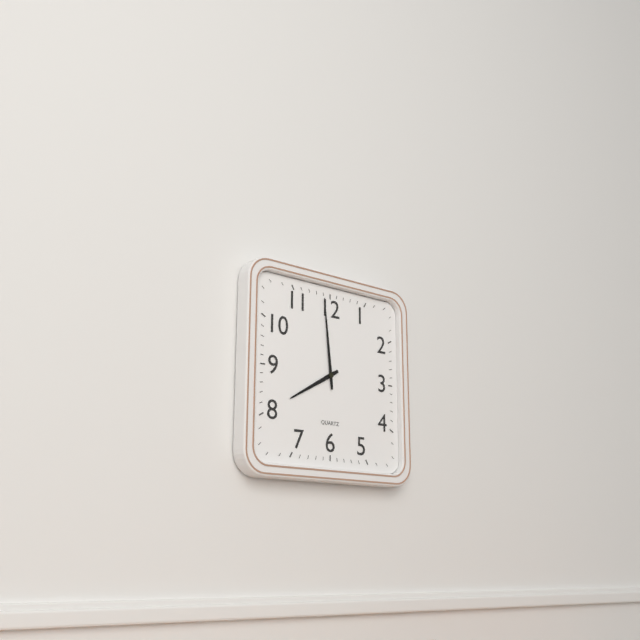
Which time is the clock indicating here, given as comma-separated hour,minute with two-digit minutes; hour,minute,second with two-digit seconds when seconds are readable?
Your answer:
7,59
